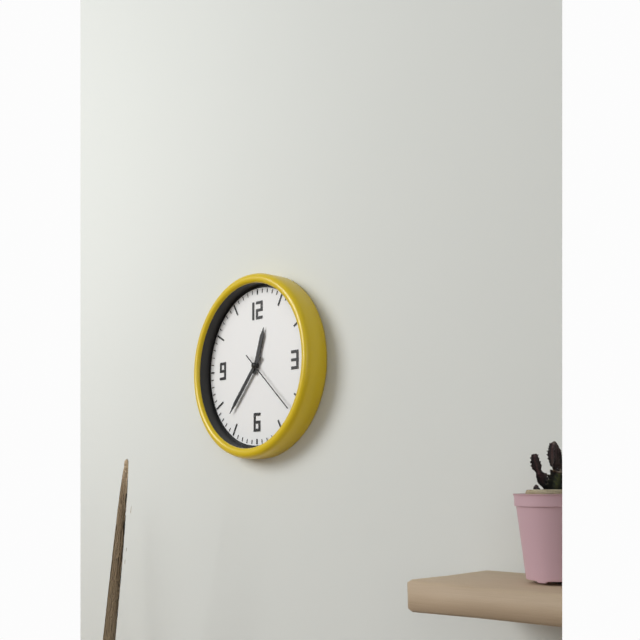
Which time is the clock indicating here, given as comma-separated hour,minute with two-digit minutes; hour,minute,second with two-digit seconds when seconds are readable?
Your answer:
12,37,22
